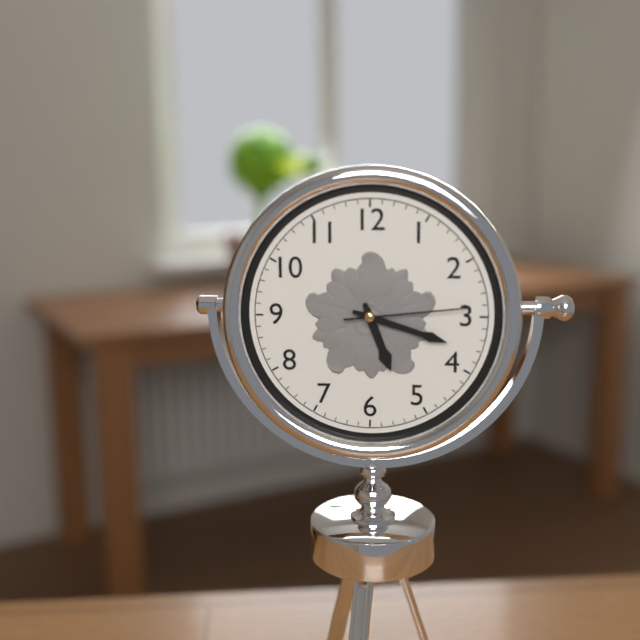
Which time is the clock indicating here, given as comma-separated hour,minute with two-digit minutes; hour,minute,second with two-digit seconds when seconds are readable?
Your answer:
5,18,14
